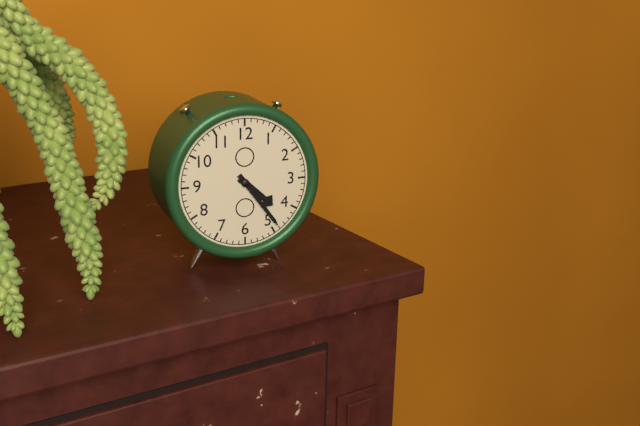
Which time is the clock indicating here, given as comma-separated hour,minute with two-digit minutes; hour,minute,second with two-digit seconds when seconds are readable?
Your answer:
4,24
